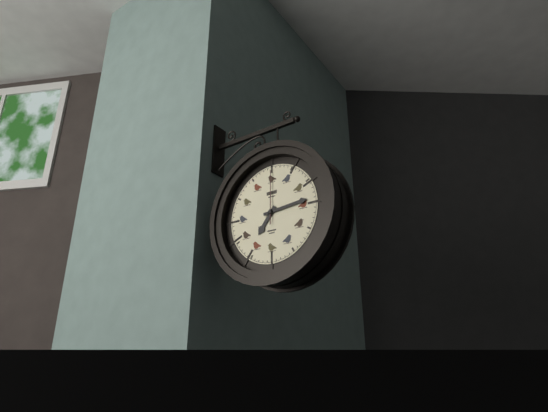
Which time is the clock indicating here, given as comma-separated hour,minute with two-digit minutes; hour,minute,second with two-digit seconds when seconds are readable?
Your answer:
7,14,00
